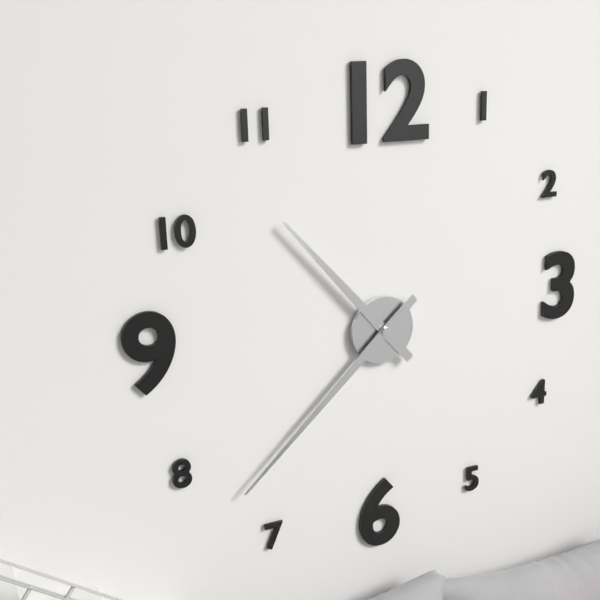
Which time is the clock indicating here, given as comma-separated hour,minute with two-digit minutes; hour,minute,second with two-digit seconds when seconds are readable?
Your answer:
10,38
